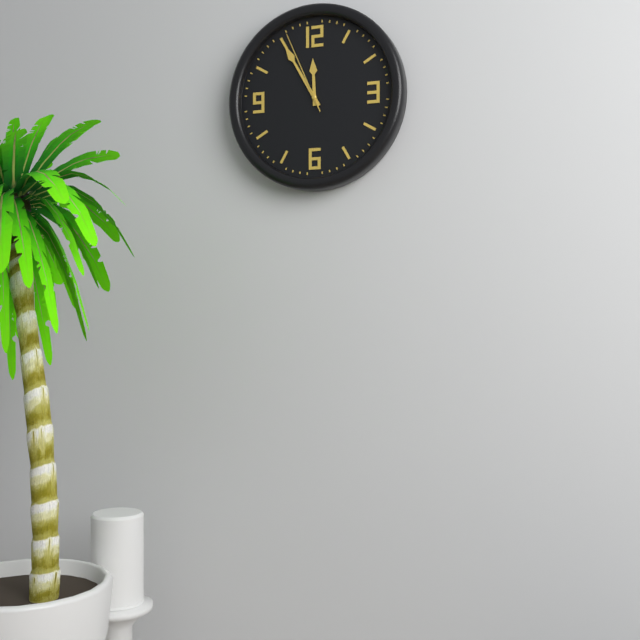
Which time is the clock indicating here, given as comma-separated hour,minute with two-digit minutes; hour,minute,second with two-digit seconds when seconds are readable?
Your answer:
11,55,56
